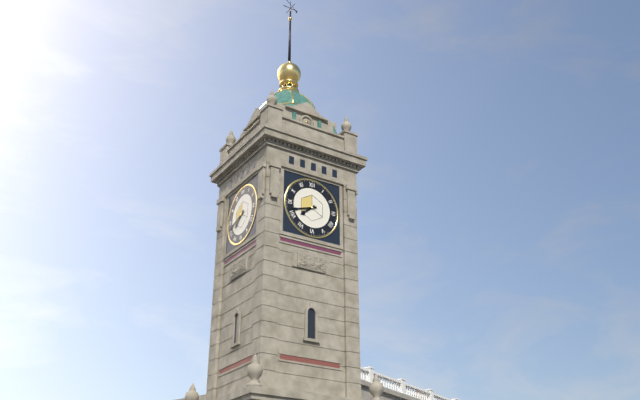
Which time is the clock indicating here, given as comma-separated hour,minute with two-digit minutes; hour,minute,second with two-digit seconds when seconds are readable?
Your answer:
7,42
